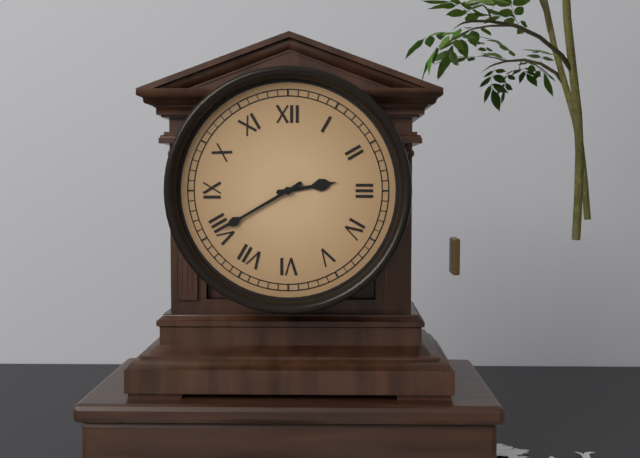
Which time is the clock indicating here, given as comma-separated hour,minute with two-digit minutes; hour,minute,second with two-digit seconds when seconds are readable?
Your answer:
2,40
